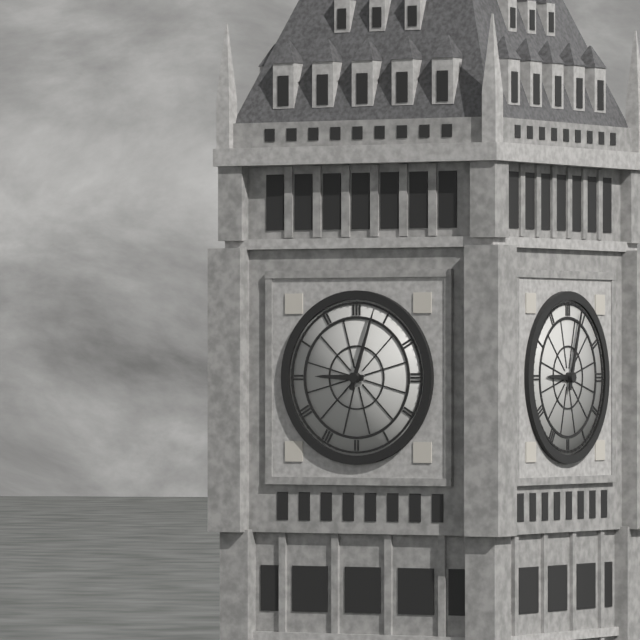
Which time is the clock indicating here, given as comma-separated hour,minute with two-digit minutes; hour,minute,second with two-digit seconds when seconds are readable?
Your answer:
9,03
